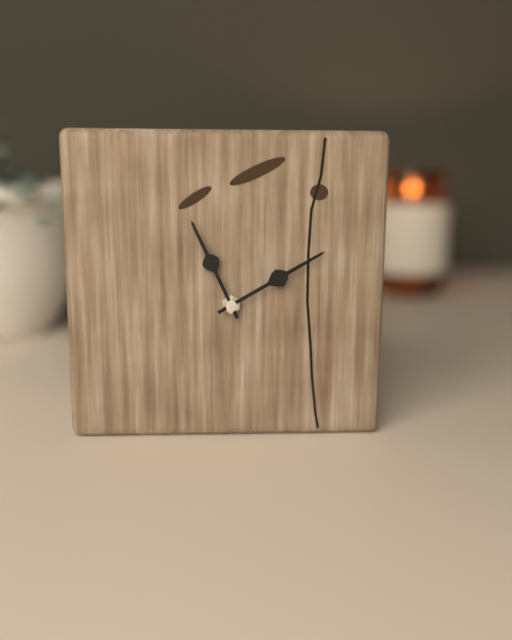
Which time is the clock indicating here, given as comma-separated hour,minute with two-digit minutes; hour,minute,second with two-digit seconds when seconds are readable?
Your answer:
11,10
